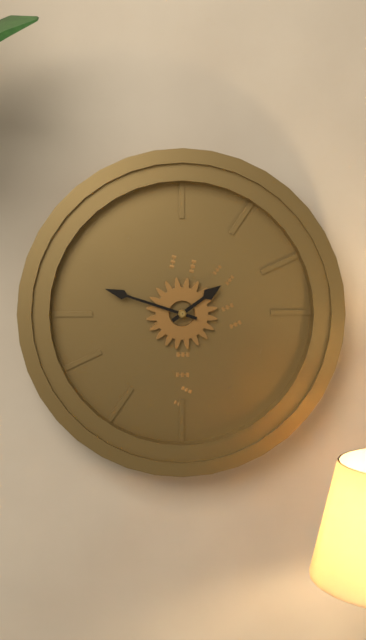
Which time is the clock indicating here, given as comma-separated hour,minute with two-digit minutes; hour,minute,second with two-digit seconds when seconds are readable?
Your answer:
1,48
